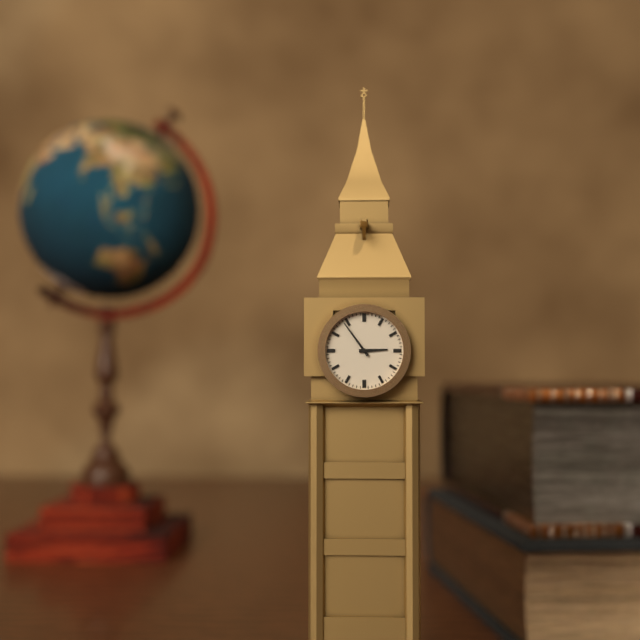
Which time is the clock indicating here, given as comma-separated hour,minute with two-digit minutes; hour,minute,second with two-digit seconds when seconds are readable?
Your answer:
2,54
